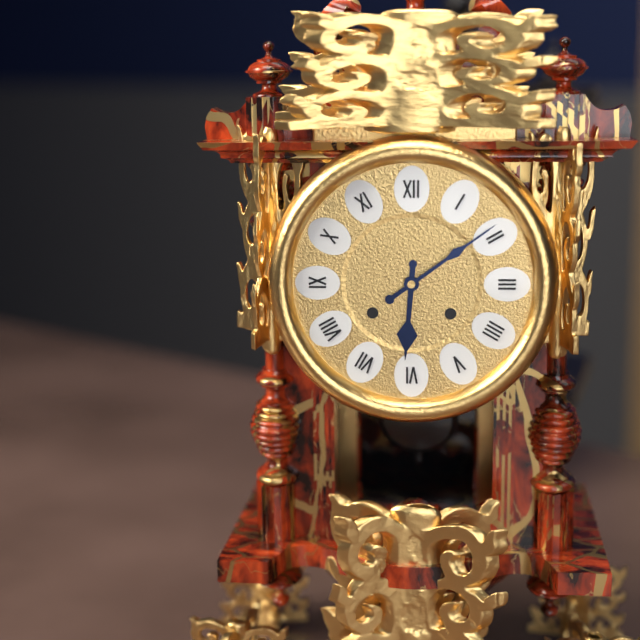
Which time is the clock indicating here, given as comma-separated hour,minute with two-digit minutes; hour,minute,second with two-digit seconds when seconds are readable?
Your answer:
6,09
